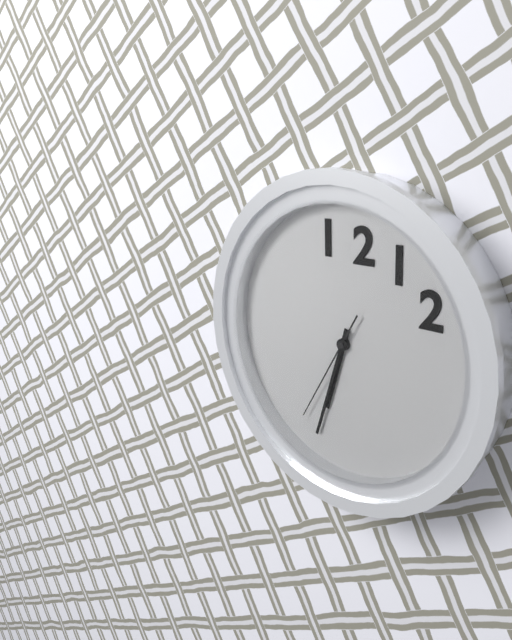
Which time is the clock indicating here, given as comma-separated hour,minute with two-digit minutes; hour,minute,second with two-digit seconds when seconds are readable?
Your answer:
6,33,35
